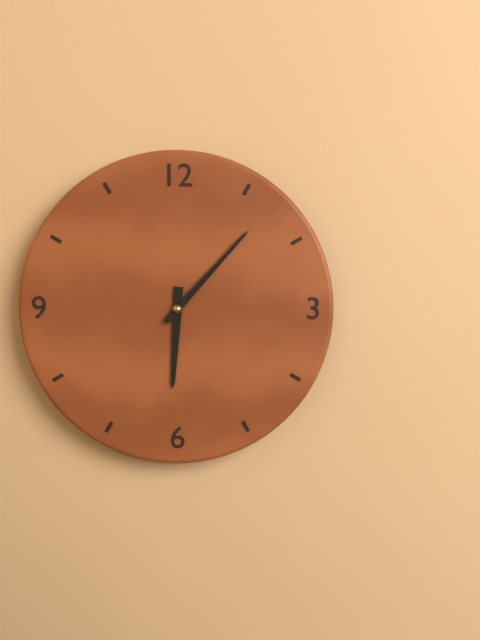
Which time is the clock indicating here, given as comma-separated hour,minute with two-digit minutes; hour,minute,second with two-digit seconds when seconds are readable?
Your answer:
6,07
